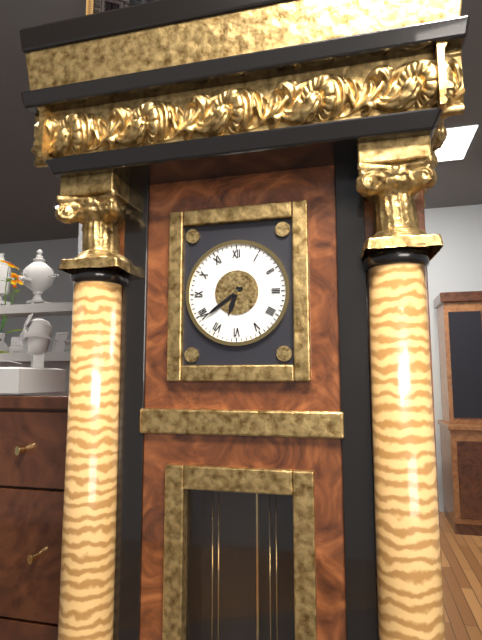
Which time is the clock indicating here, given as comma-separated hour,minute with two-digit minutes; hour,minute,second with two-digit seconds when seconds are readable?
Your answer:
6,39
